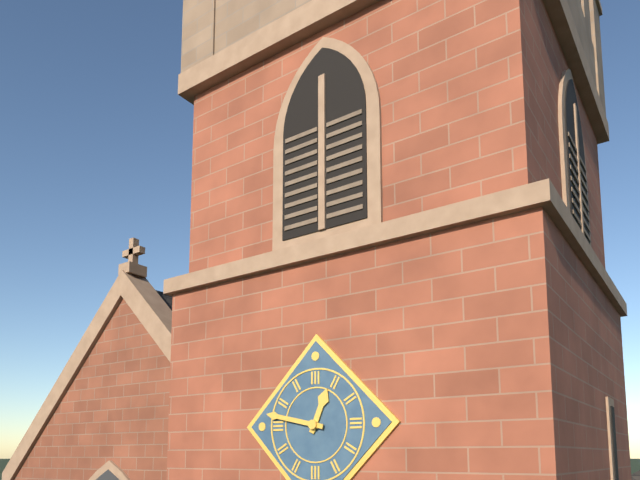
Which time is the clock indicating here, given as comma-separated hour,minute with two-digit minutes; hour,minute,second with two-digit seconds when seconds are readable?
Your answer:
12,47
